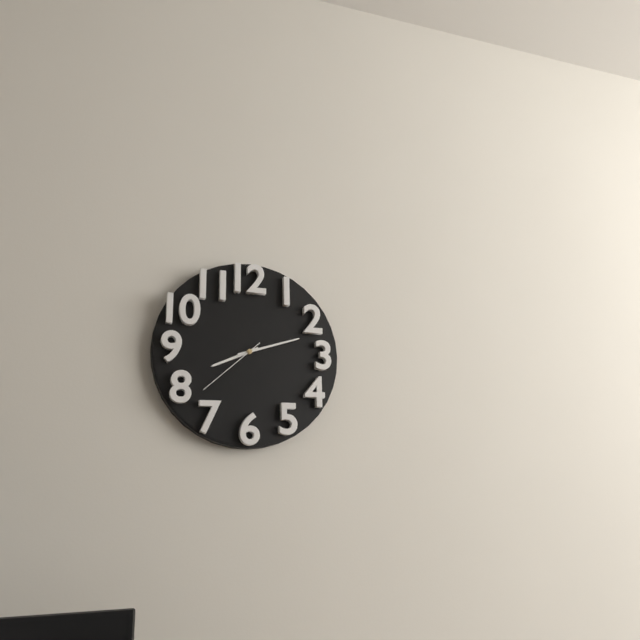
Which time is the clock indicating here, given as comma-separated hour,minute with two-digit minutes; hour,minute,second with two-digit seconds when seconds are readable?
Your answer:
8,12,38
